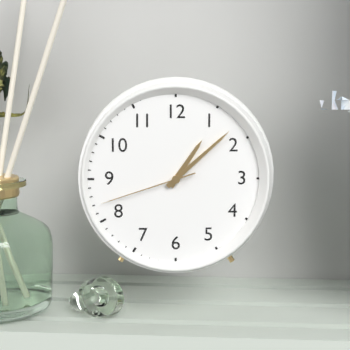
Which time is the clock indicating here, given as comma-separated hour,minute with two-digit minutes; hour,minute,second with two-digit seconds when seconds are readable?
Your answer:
1,08,42
